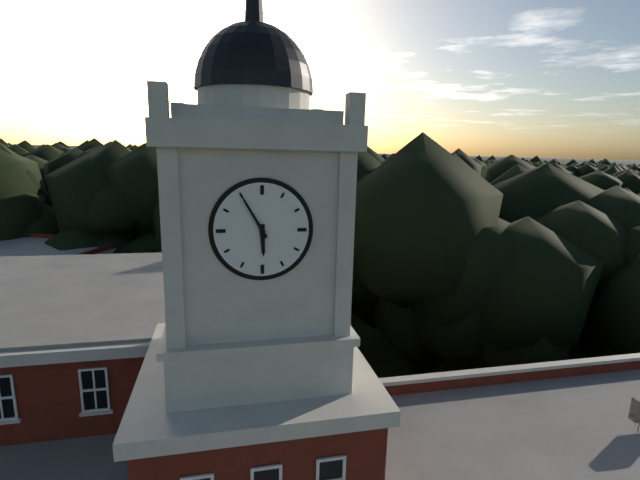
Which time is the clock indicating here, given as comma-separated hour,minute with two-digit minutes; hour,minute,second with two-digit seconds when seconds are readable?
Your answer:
5,55
